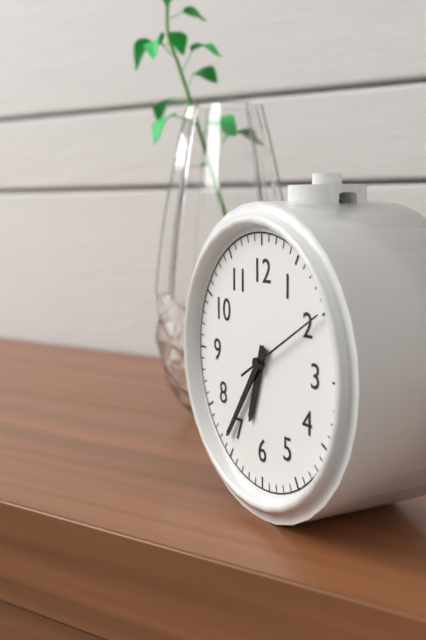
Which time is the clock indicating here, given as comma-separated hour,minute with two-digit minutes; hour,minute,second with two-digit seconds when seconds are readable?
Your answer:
6,36,10
